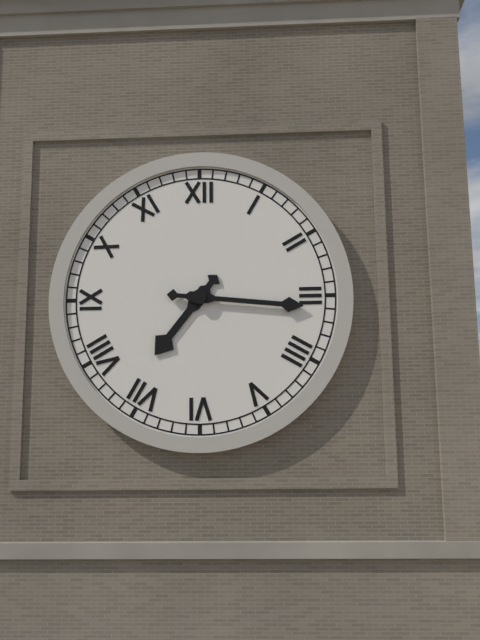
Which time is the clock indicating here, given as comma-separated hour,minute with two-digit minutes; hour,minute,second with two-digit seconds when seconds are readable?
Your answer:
7,16
